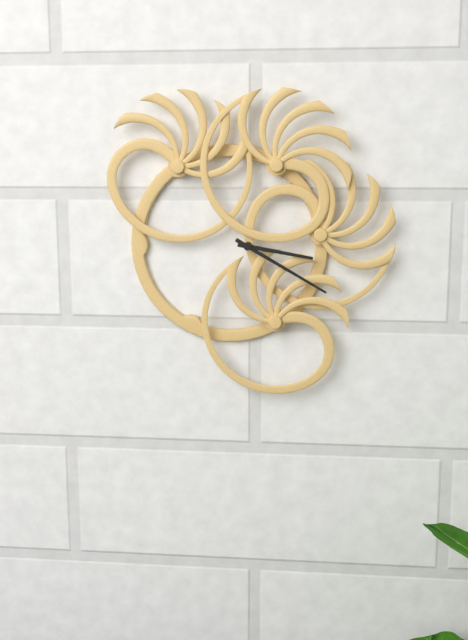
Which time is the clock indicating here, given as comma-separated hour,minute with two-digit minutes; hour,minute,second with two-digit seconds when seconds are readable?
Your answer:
3,20
